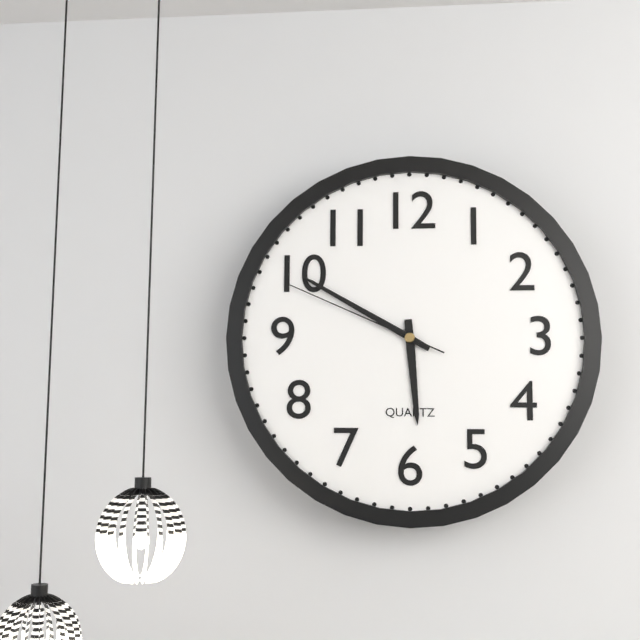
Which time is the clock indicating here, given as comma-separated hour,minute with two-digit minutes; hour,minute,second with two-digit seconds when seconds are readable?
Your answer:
5,50,49
